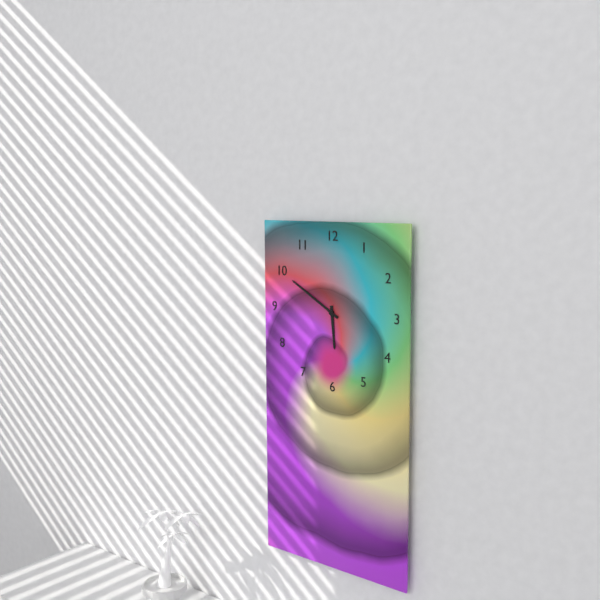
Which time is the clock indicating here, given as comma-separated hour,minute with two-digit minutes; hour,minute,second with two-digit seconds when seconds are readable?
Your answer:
5,50
